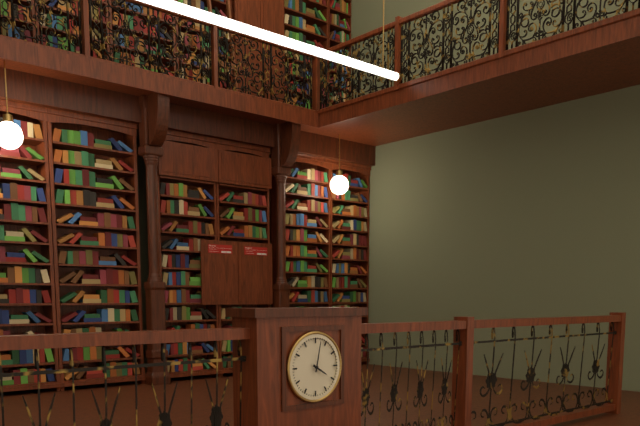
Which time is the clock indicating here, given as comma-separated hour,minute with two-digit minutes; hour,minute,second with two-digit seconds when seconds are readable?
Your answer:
4,02
